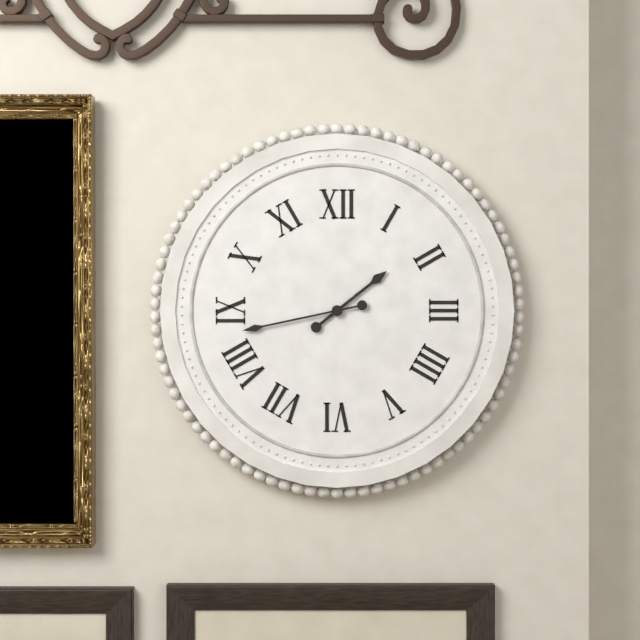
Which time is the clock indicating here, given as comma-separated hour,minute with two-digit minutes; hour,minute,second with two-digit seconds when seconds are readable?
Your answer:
1,43
